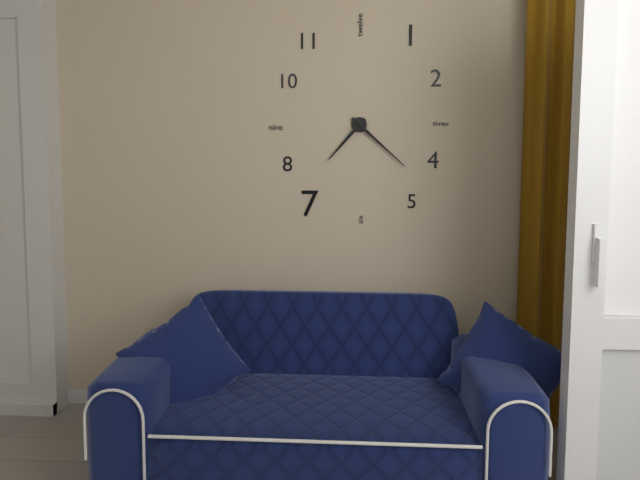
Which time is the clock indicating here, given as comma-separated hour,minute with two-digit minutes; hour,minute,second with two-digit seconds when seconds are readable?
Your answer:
7,22
